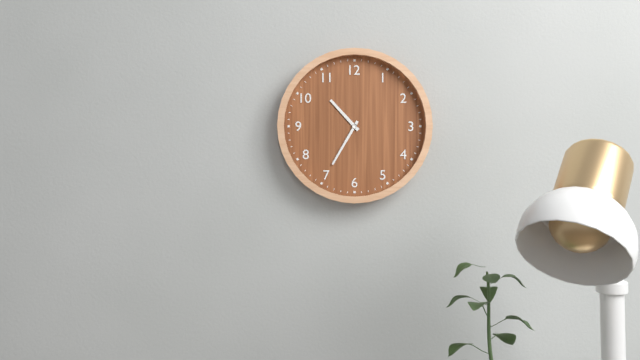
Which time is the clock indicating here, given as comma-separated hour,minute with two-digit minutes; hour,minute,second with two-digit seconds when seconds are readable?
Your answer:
10,35
